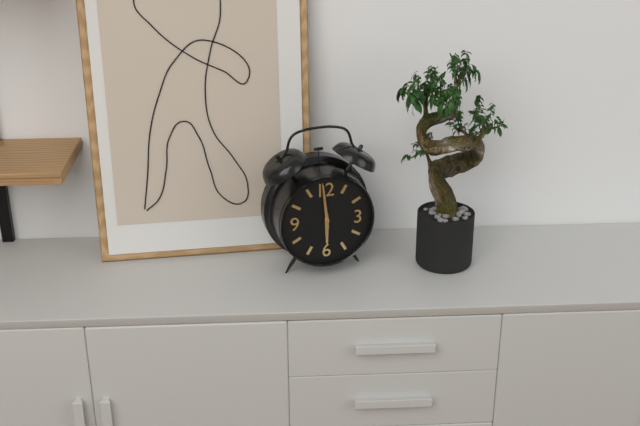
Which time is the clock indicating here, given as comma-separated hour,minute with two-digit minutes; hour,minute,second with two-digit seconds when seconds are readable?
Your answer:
5,59
